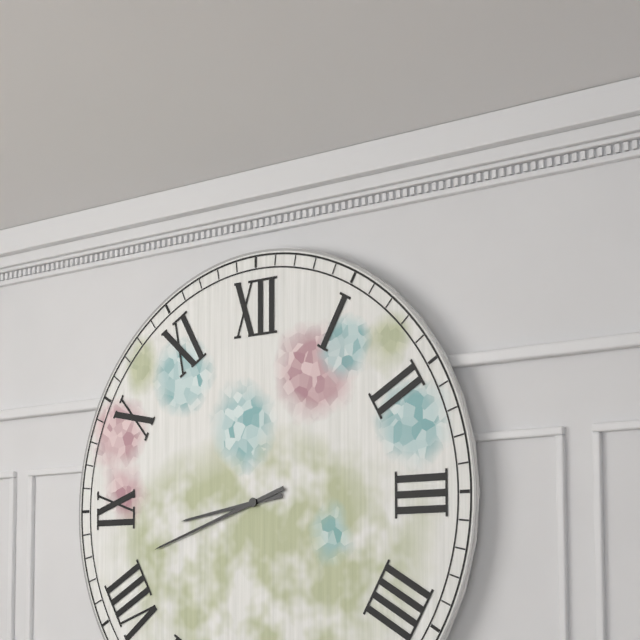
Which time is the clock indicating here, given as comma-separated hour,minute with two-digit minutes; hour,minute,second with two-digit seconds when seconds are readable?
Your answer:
8,42
